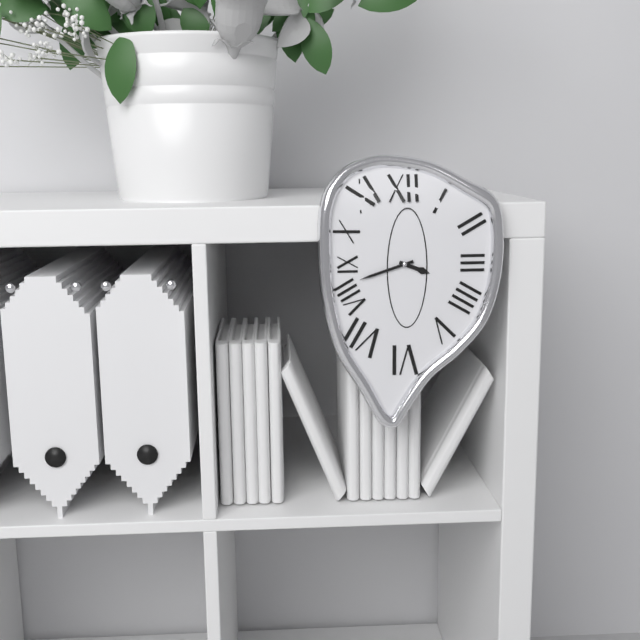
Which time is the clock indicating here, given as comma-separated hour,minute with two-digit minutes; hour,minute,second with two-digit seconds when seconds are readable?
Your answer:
3,42
